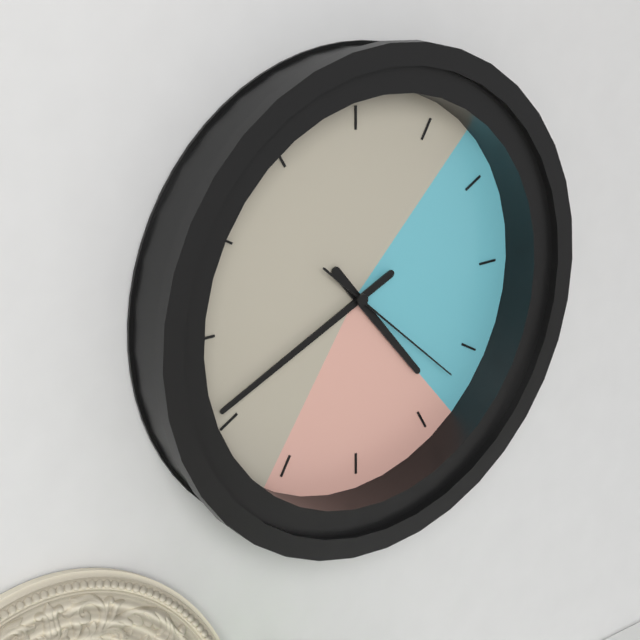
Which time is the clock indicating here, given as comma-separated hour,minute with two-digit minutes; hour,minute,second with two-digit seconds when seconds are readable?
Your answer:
4,41,22
